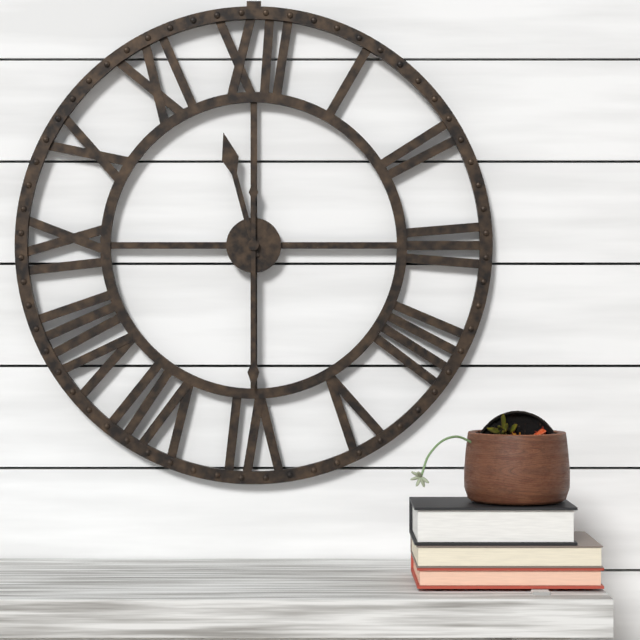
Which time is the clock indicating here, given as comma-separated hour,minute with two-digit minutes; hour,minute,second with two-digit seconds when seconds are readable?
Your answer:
11,30
